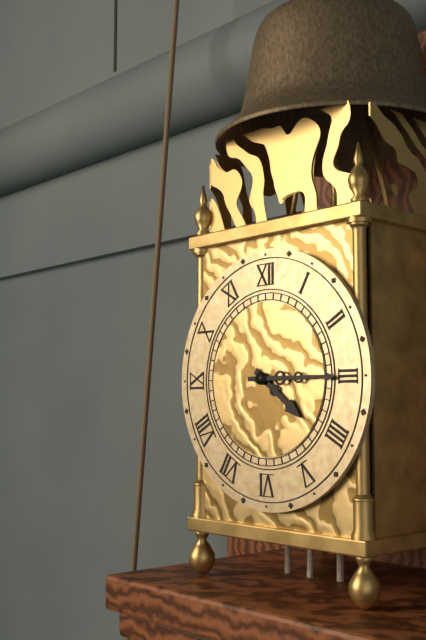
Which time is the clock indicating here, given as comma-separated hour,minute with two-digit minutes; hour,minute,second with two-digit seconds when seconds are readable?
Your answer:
4,15
